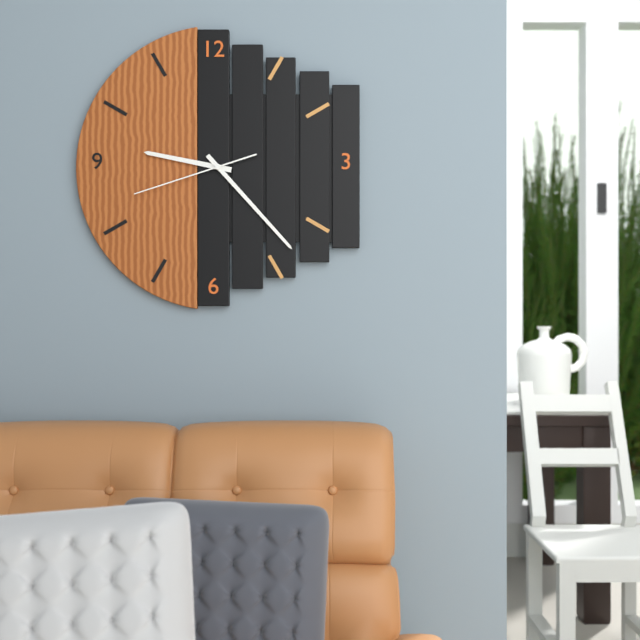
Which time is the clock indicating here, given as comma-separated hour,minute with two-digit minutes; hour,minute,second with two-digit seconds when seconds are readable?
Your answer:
9,23,42
